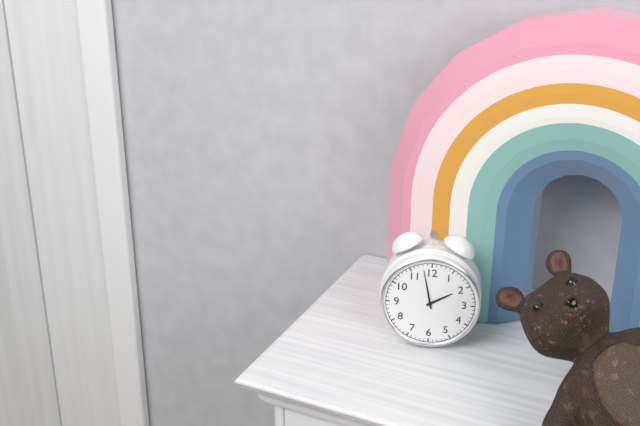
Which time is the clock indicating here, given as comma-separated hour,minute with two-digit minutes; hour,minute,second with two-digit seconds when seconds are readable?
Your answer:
1,58
